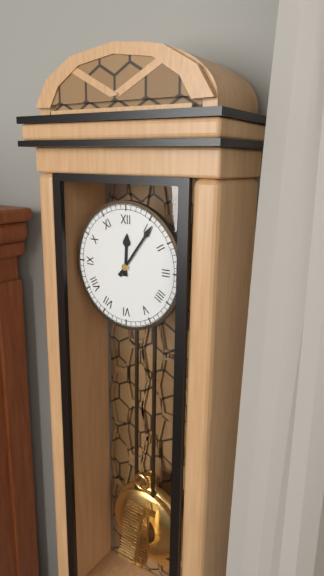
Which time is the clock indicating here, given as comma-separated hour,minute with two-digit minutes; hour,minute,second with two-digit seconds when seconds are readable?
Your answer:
12,06
